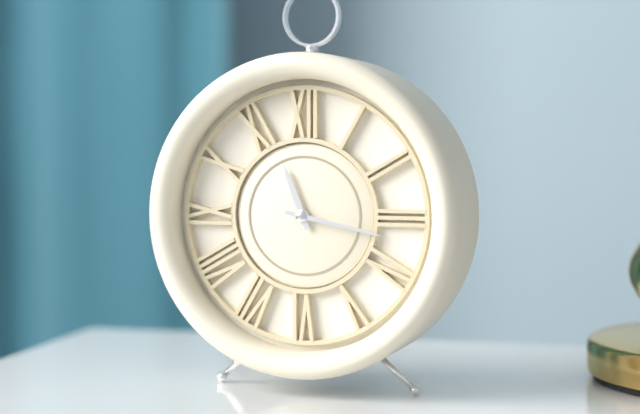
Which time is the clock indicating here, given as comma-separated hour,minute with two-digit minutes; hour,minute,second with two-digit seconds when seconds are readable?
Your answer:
11,17
